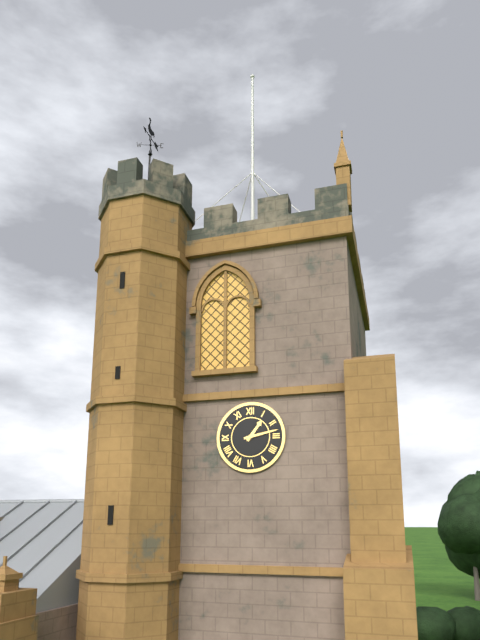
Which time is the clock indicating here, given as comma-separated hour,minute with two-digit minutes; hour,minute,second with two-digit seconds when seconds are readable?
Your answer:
1,13
